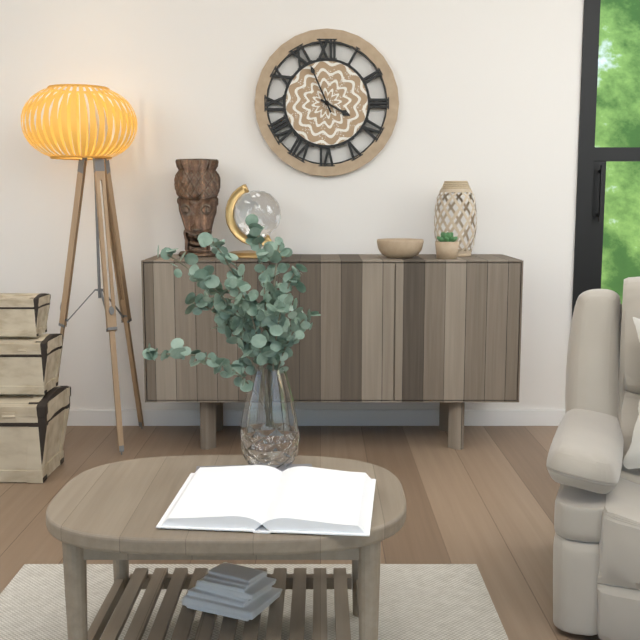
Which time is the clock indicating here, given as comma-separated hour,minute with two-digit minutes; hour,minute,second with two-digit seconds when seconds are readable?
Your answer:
3,56
